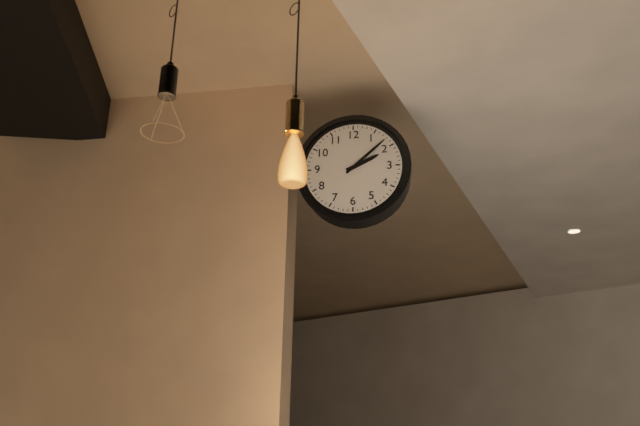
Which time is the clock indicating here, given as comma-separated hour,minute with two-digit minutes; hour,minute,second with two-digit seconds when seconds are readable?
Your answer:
2,08
